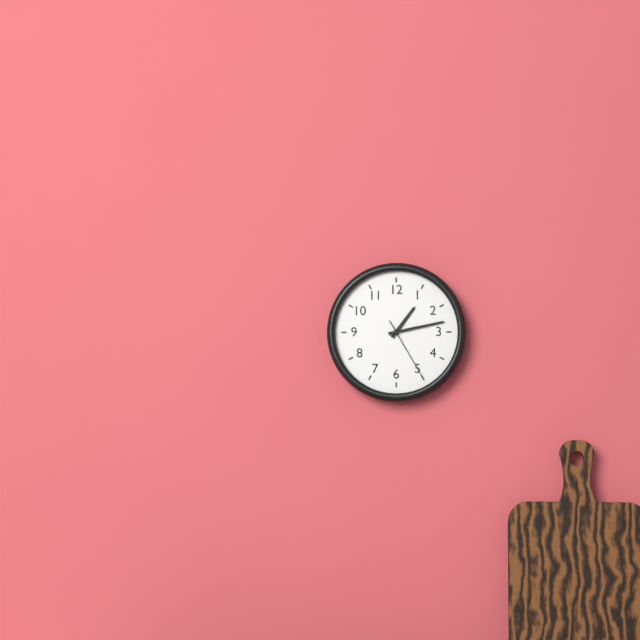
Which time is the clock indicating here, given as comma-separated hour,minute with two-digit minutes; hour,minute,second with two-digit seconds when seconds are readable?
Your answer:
1,13,25
